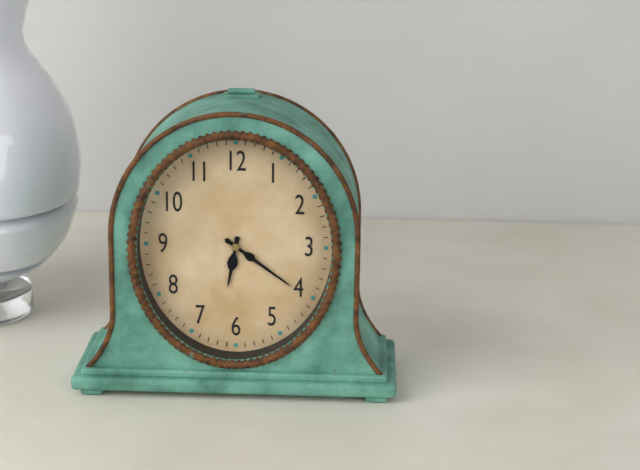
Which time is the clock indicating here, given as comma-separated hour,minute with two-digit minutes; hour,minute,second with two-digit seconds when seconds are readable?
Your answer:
6,21
